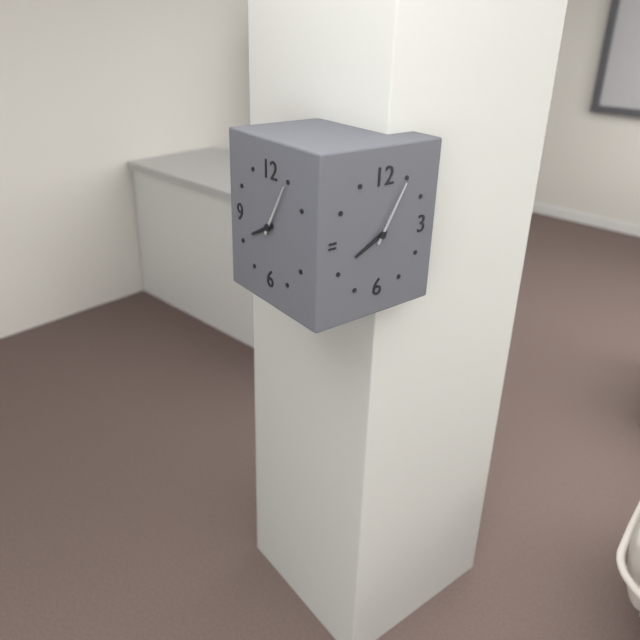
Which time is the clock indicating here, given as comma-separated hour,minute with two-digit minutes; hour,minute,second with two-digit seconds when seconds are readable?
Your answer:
8,05
